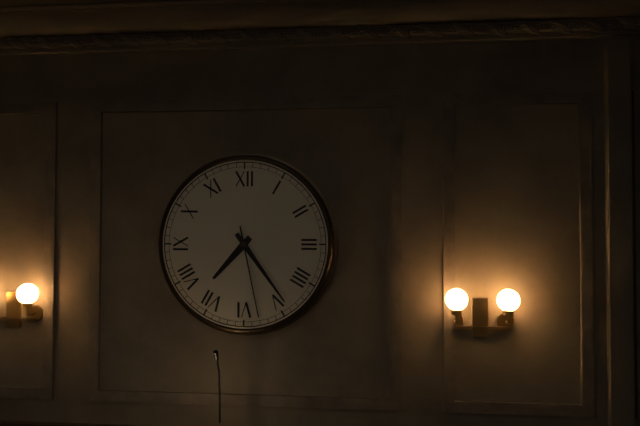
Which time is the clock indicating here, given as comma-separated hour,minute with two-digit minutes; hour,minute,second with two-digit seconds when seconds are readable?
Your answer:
7,24,28
